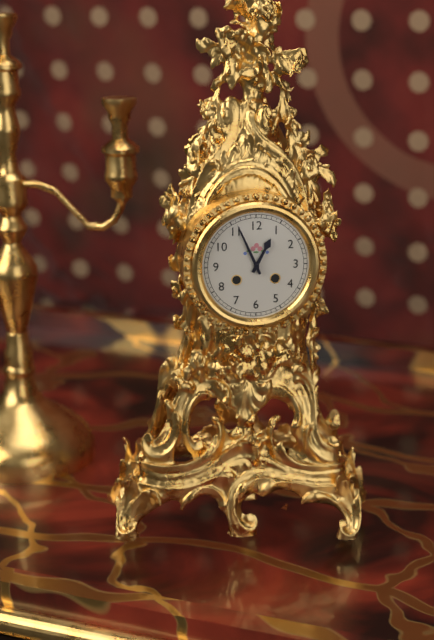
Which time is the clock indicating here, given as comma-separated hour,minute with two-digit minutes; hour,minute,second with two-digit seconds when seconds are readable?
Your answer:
12,56
